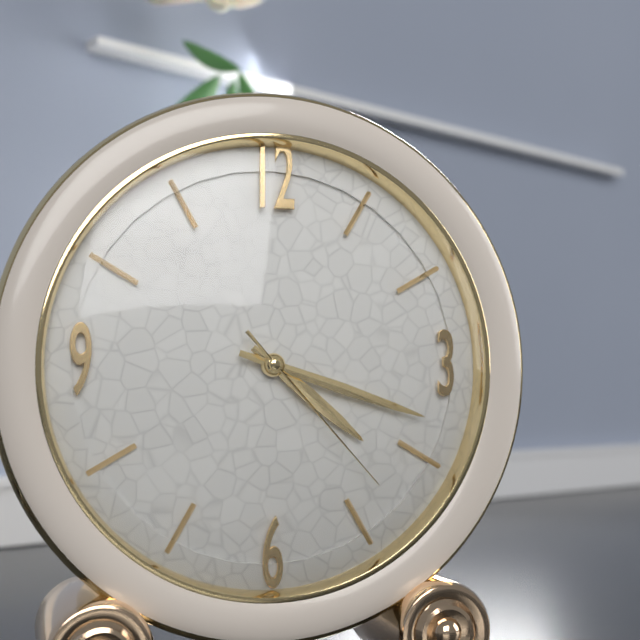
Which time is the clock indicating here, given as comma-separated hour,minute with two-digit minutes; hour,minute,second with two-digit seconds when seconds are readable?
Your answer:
4,18,23
